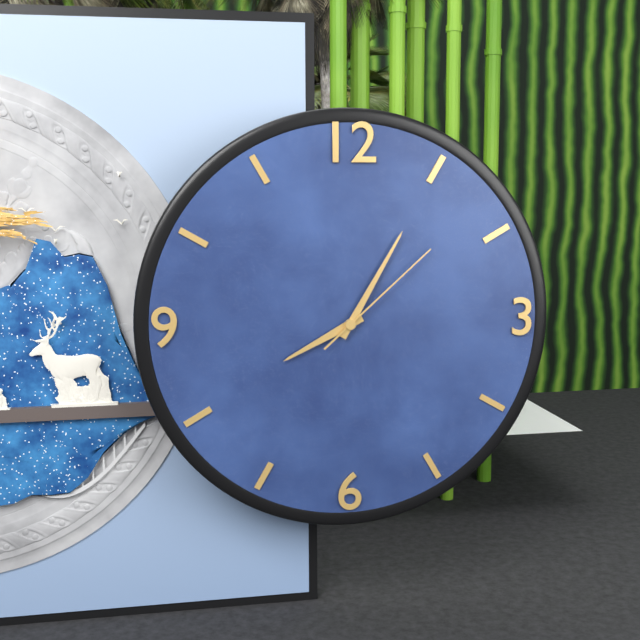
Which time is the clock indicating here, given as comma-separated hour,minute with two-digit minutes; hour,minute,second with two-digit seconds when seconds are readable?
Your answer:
8,05,08
